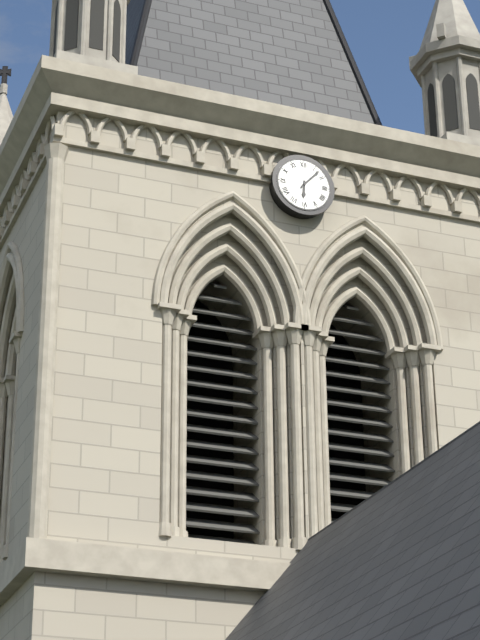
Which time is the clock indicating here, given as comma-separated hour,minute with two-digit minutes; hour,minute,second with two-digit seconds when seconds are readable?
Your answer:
6,07
